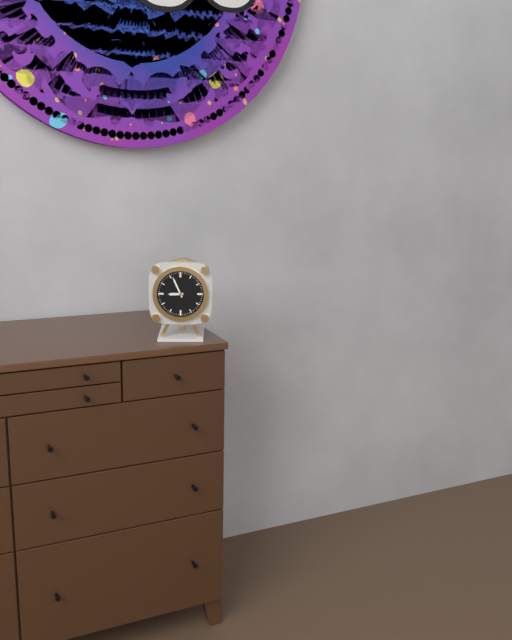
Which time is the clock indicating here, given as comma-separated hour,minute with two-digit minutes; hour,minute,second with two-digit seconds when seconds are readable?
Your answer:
8,56
